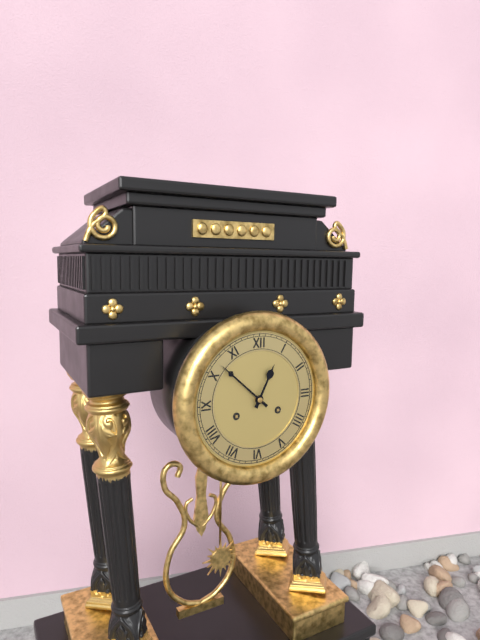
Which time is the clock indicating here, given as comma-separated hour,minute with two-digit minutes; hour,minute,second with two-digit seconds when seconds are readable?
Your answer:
12,52
